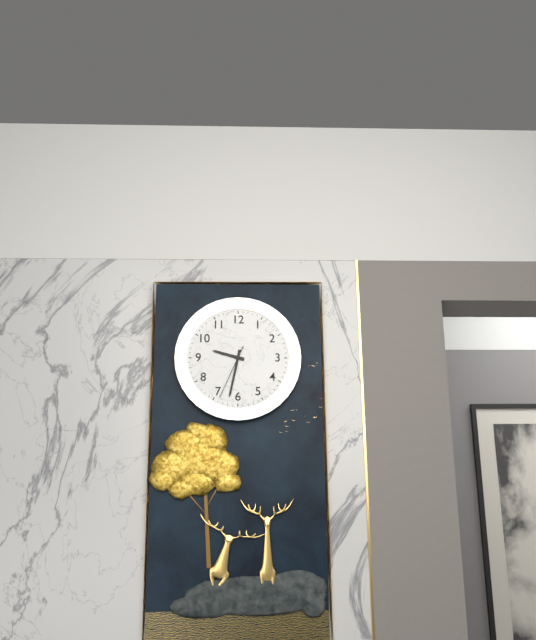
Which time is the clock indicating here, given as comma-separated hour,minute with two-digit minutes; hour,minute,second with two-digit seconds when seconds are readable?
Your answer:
9,32,34
